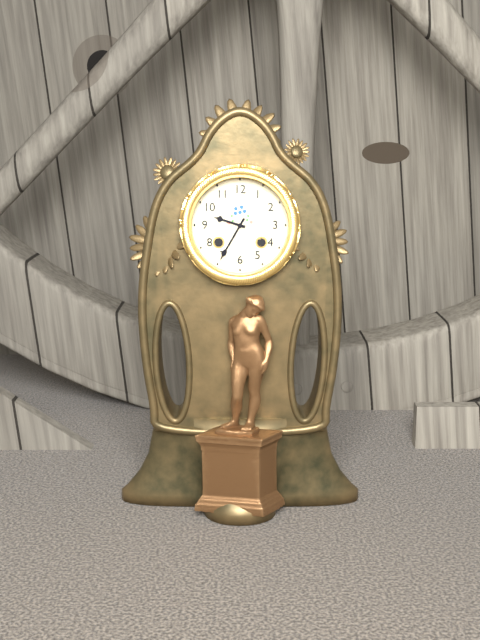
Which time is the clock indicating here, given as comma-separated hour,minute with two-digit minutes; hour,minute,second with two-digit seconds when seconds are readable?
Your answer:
9,35
